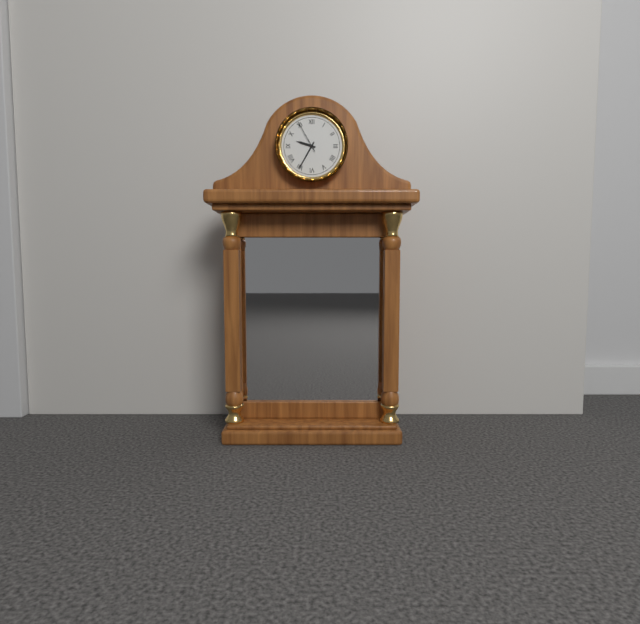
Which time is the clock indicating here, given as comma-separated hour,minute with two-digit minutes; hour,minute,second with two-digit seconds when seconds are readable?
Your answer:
9,35
